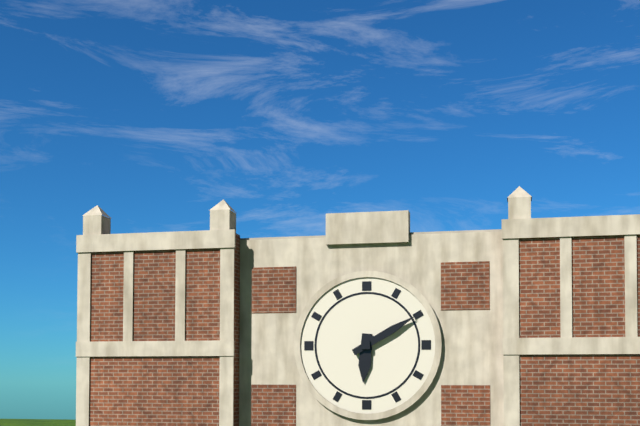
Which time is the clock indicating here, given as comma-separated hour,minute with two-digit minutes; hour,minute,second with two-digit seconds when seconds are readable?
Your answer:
6,10
